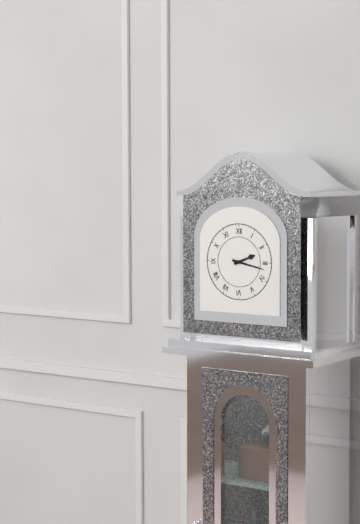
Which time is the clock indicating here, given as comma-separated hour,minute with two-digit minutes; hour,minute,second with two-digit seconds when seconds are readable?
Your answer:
2,17
